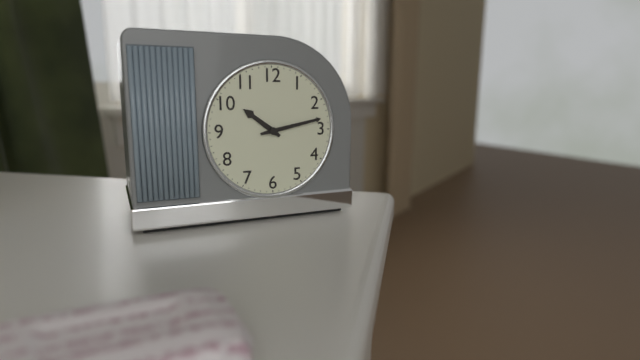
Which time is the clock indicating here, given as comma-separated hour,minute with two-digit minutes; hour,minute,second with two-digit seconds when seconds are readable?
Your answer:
10,13
